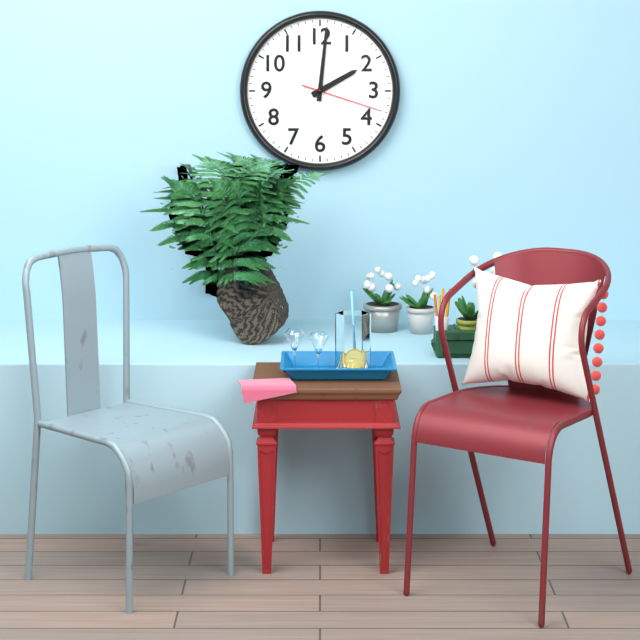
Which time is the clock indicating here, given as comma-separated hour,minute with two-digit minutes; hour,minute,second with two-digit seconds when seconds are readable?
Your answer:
2,01,18
